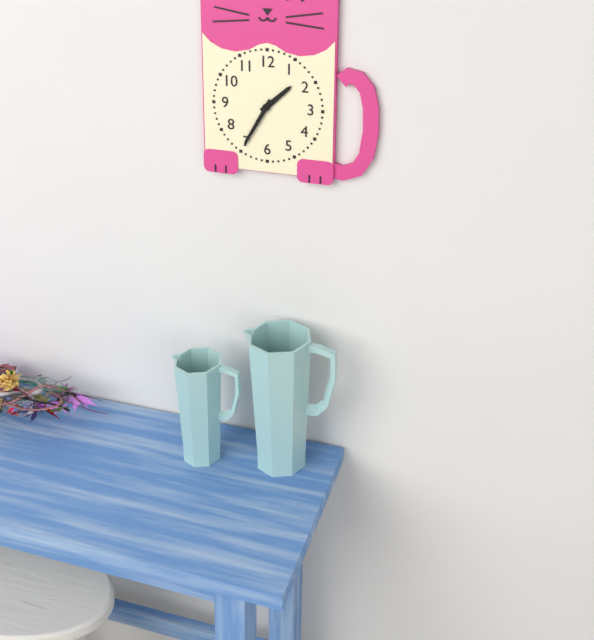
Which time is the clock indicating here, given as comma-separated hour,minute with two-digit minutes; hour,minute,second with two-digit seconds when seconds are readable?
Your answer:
1,35
